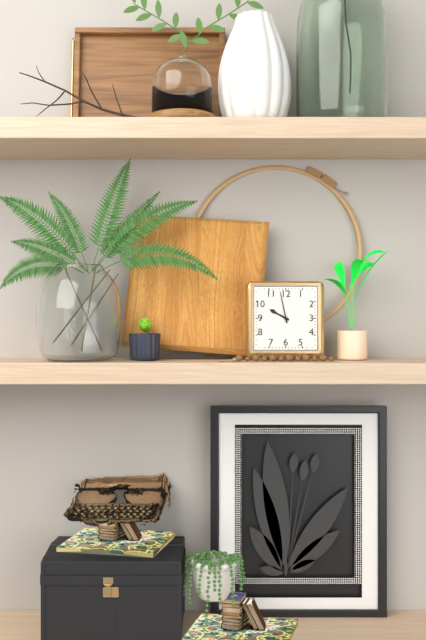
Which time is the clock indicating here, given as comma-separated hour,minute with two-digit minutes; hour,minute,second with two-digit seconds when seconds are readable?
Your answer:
9,58
